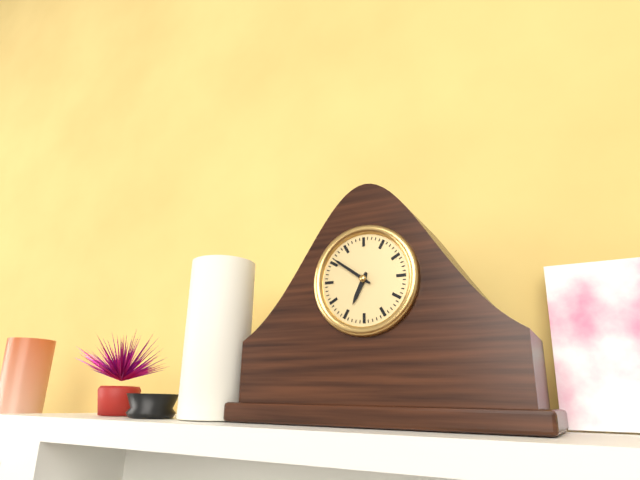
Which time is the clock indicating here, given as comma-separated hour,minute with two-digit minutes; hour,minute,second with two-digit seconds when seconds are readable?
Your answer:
6,51
